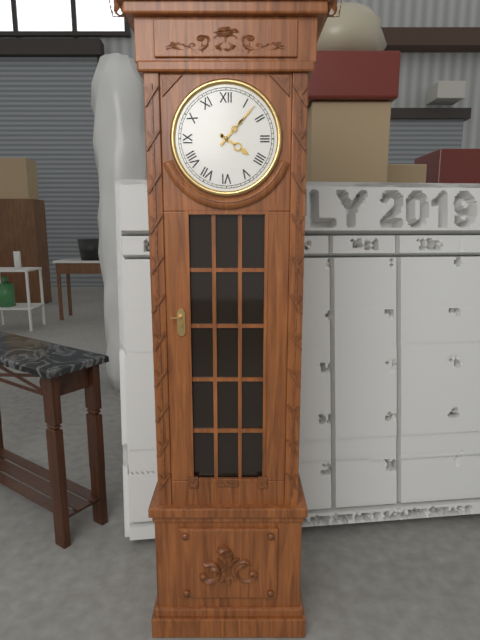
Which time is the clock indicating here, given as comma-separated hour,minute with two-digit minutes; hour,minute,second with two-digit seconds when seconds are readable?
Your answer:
4,07
